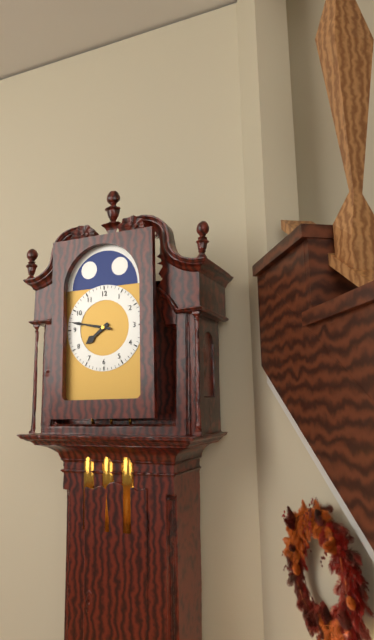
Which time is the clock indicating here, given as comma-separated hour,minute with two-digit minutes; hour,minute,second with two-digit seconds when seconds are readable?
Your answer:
7,47
